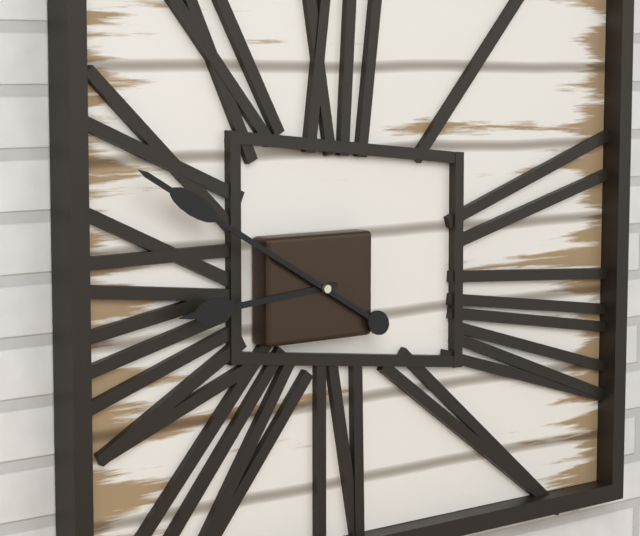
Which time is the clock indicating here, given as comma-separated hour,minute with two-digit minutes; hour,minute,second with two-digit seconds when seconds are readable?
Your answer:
8,50
